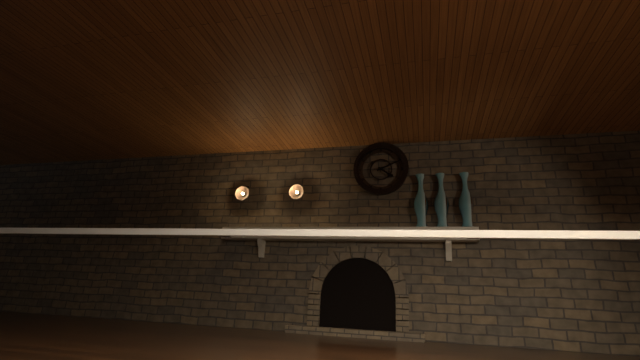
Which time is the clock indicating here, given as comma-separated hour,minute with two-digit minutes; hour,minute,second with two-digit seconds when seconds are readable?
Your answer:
4,11
